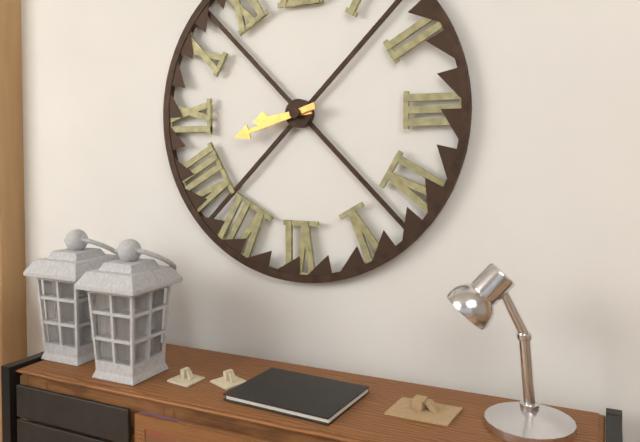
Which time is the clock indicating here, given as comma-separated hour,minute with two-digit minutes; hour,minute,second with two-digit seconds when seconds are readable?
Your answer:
8,42
